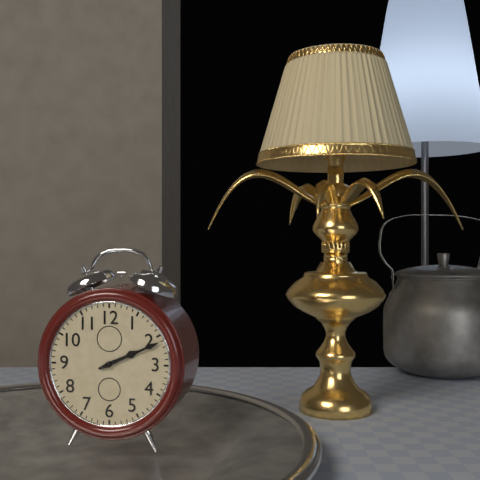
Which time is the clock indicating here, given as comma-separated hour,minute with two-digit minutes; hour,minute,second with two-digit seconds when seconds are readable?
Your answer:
2,11
